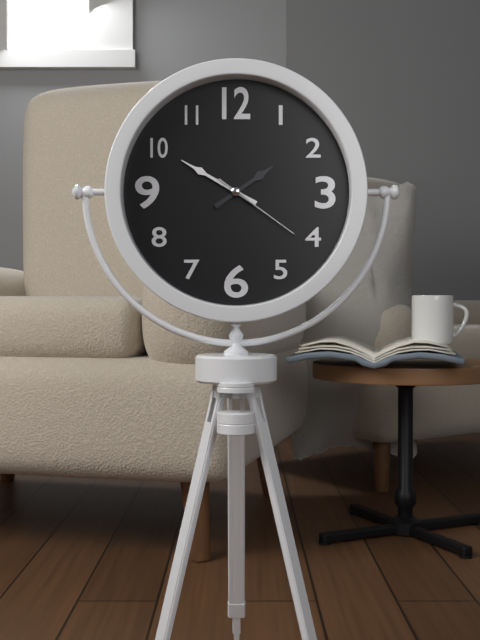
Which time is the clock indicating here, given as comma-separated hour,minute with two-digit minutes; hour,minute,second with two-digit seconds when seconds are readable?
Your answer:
1,50,21
